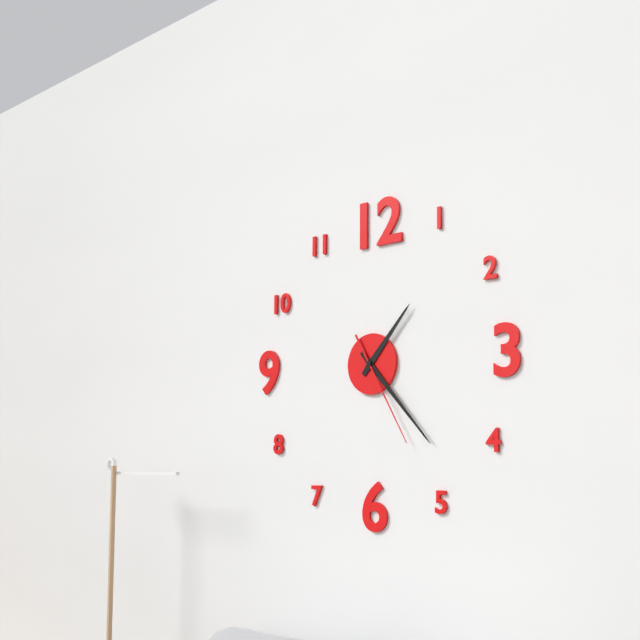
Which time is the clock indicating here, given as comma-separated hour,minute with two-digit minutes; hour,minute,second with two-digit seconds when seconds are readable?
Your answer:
1,23,25
